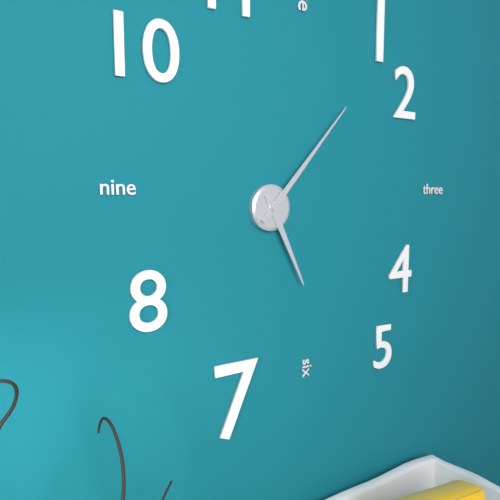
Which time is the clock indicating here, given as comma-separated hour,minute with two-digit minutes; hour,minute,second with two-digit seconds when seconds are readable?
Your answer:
5,07
